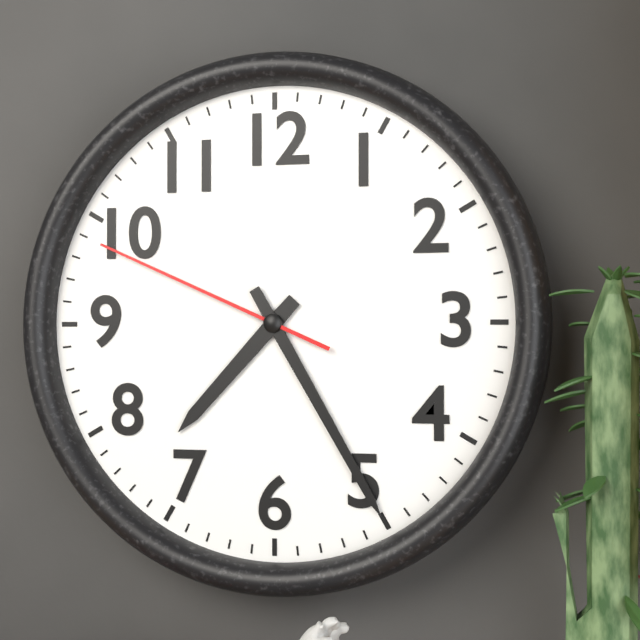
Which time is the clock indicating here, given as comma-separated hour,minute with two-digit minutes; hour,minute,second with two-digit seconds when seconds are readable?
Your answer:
7,25,49
